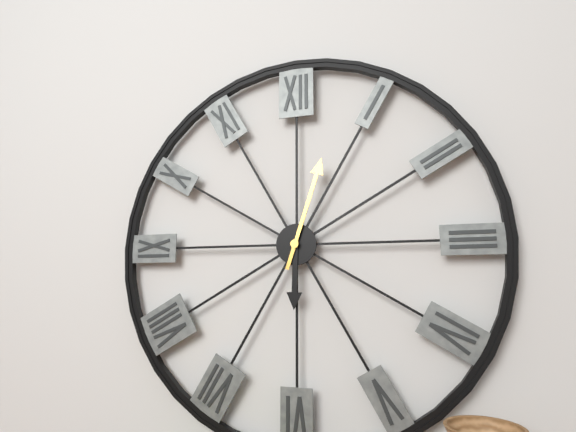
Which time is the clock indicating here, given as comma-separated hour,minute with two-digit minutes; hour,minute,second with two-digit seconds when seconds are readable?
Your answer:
6,03
